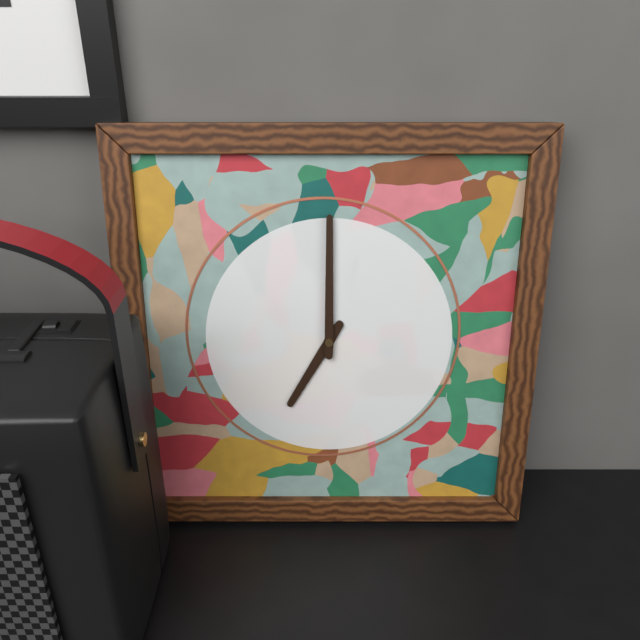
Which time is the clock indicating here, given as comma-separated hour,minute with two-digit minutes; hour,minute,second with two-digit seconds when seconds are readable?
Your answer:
7,00
